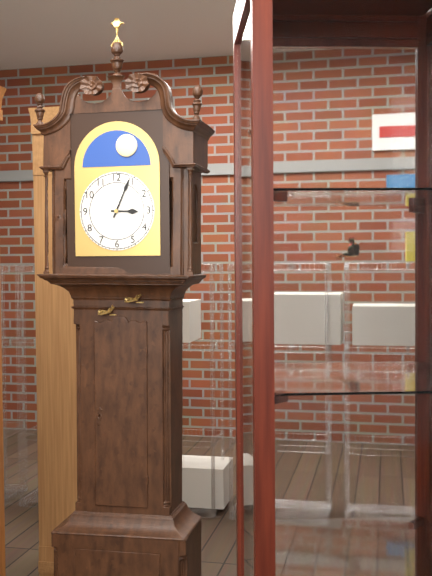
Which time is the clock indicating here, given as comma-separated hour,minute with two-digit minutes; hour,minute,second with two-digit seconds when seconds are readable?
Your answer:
3,04
